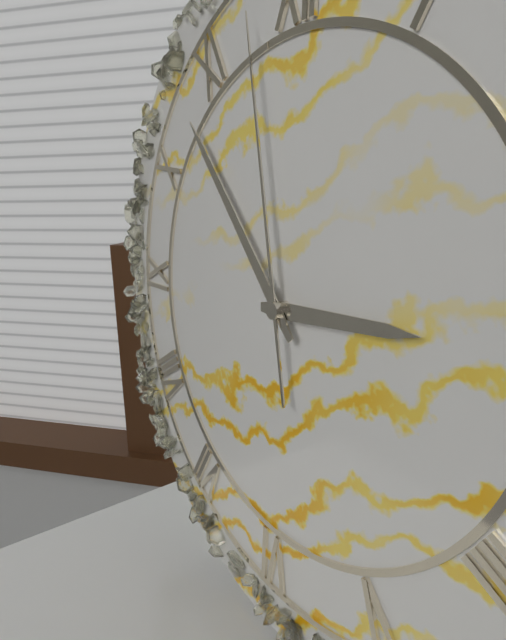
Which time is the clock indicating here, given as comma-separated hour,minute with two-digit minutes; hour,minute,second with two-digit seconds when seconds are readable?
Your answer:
2,53,58
